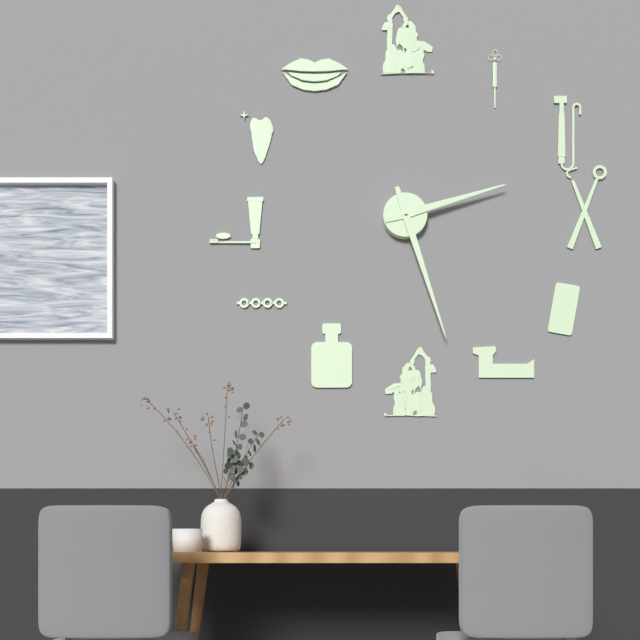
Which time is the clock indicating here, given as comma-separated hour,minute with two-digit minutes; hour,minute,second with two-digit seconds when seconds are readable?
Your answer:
2,27
